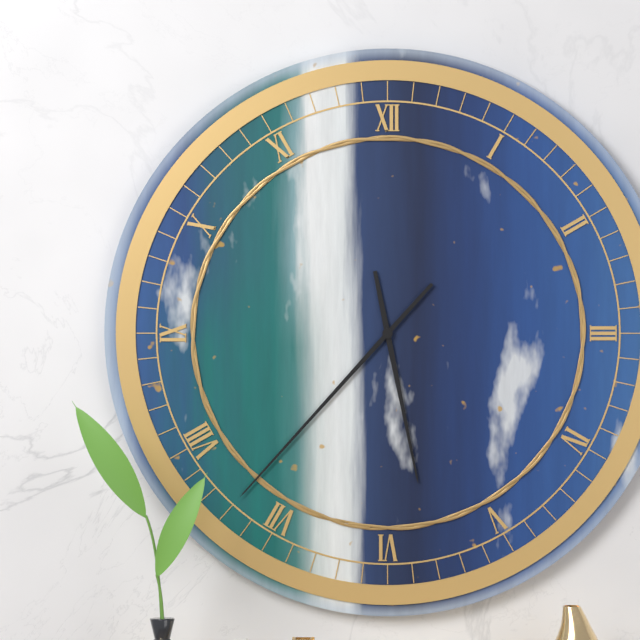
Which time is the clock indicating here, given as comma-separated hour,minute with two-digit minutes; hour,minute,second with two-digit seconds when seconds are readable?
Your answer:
5,37
